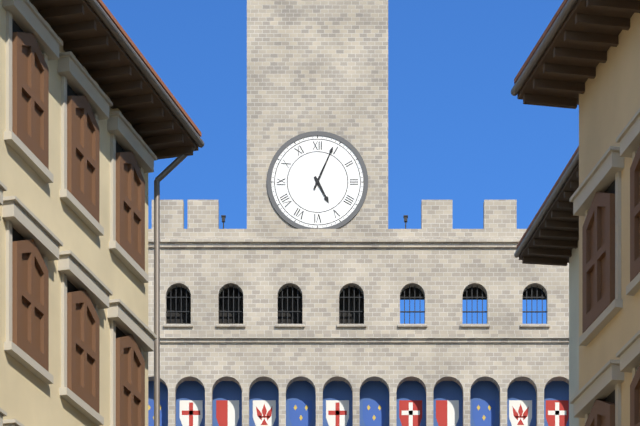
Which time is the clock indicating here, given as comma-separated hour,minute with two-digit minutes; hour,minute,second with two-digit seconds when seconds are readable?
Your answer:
5,04
